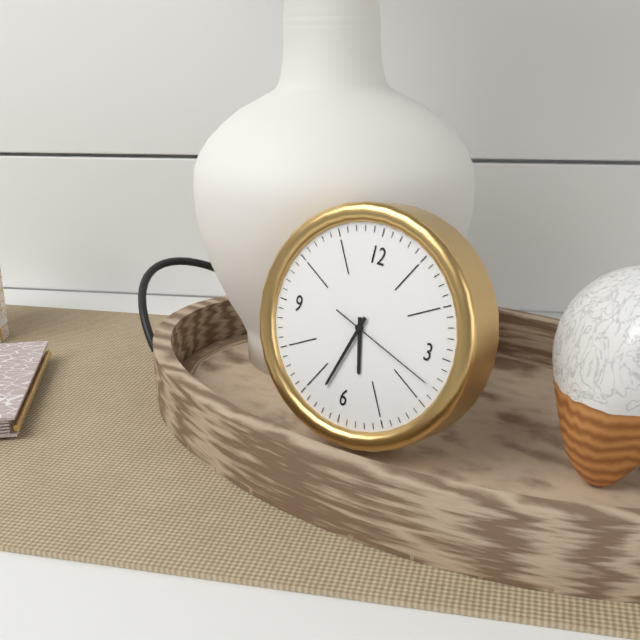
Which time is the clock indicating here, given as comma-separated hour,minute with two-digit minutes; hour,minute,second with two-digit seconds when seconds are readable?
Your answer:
5,33,18
